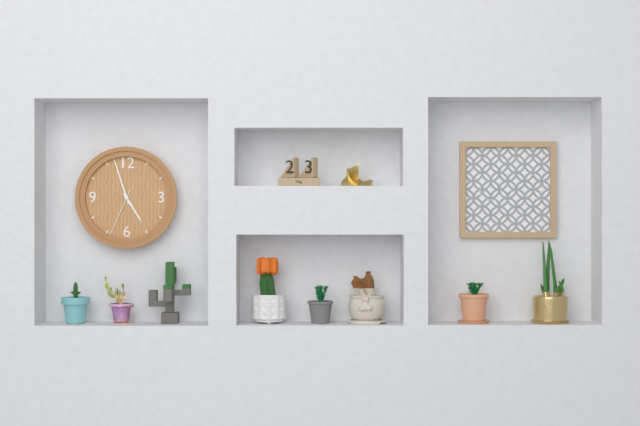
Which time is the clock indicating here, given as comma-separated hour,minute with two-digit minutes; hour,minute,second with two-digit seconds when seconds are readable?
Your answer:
4,57,34
